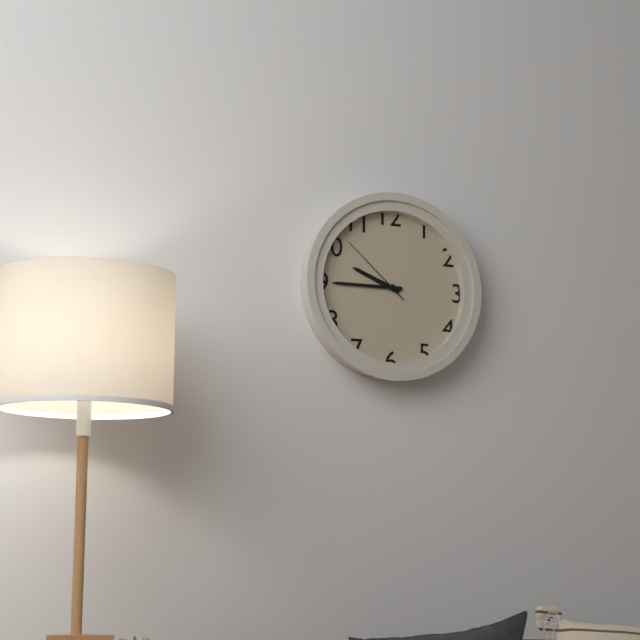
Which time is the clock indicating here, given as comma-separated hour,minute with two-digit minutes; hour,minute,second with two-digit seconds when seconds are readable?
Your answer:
9,45,52
